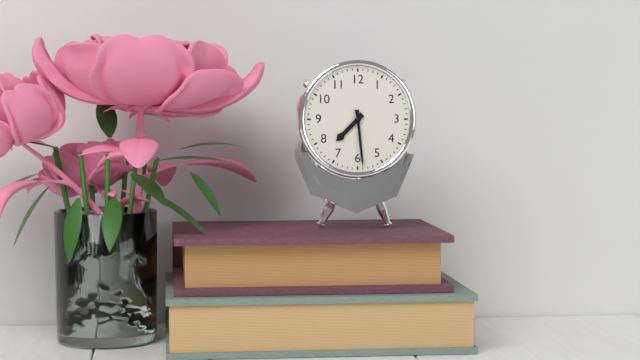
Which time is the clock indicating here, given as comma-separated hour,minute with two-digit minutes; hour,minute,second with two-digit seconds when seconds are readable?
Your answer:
7,29
